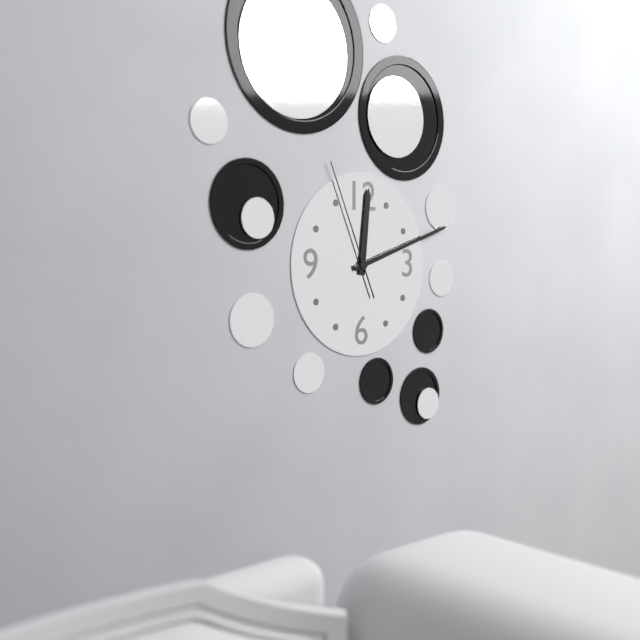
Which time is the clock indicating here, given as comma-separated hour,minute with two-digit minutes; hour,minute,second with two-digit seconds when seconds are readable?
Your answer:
12,12,56
